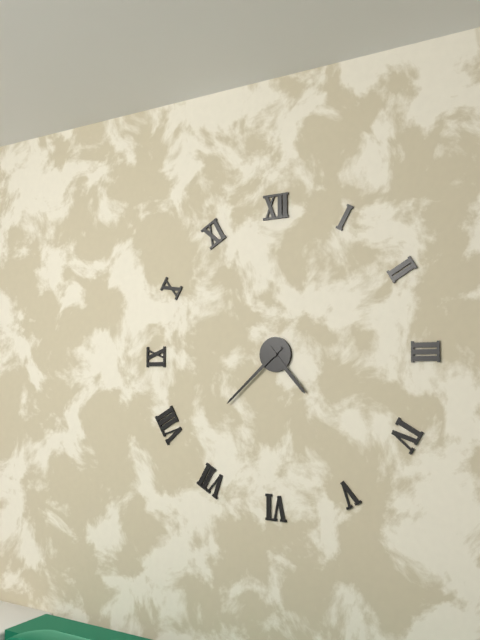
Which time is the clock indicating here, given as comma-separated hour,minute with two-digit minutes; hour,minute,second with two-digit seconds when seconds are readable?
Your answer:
4,38
